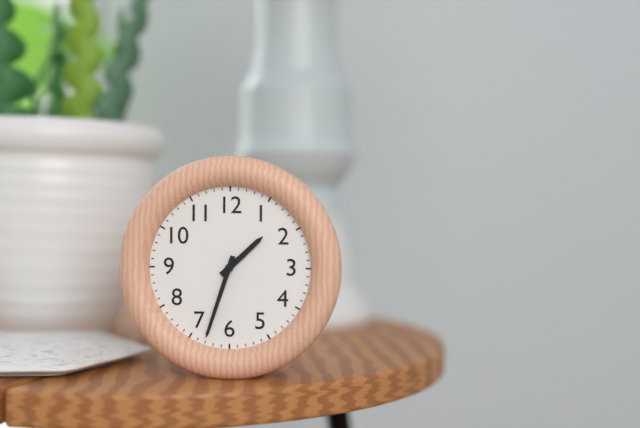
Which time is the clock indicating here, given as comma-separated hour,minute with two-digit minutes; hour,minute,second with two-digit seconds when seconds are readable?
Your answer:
1,33
